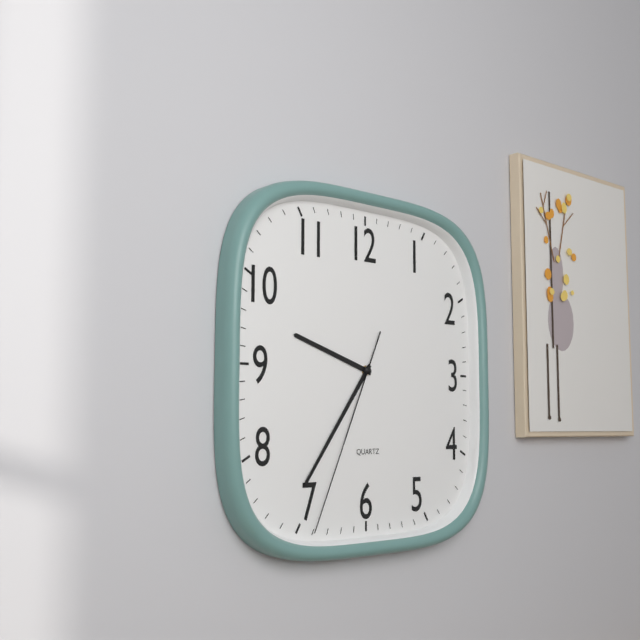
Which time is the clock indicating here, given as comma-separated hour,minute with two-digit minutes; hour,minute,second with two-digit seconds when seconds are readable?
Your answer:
9,36,34
